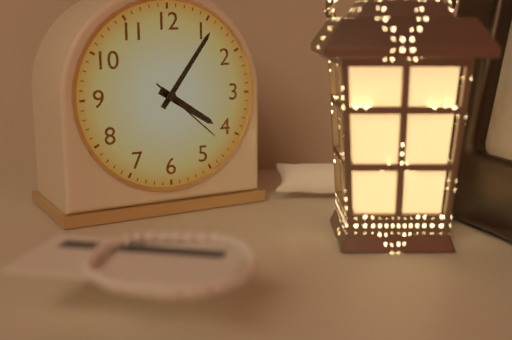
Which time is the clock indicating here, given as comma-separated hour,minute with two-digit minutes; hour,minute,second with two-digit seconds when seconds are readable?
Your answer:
4,06,22
